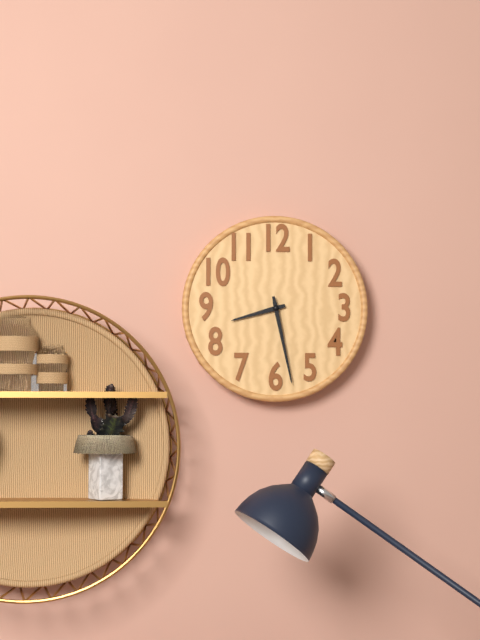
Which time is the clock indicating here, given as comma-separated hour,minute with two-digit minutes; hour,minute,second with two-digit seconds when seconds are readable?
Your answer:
8,28
